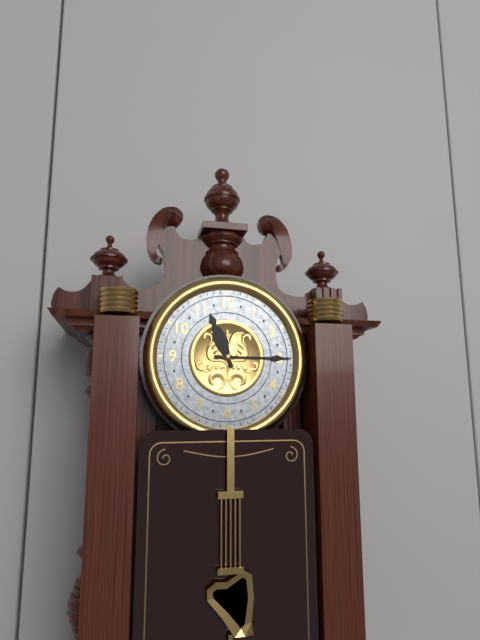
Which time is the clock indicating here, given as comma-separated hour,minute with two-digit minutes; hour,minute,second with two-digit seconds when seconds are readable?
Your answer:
11,15
